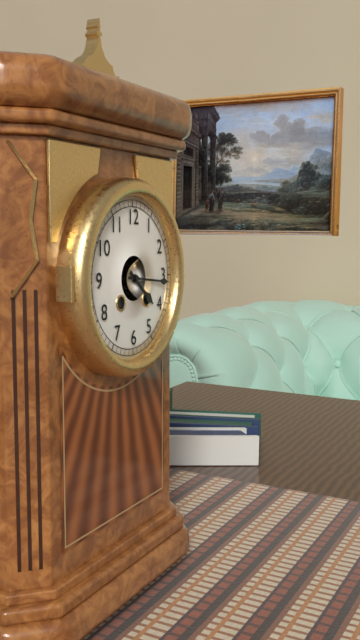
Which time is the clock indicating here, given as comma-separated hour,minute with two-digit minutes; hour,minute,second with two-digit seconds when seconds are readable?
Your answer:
4,16
